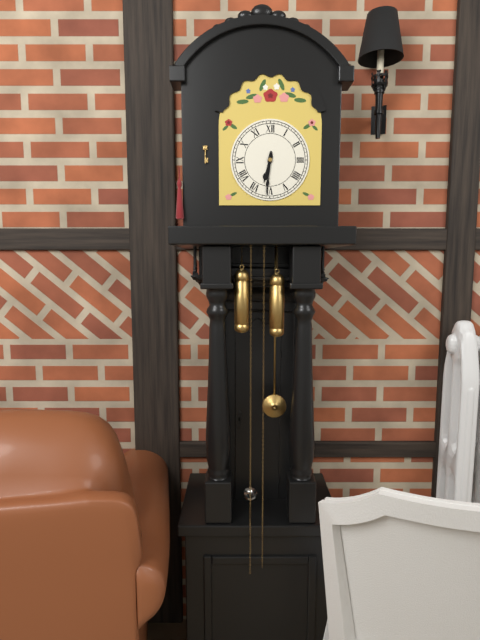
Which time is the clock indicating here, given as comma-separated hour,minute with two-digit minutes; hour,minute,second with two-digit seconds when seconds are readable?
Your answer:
6,31
